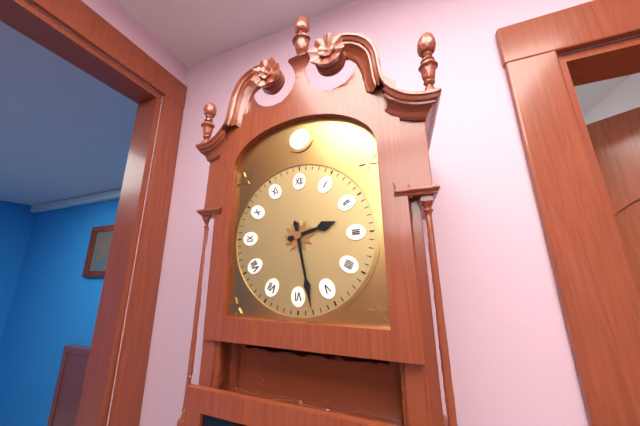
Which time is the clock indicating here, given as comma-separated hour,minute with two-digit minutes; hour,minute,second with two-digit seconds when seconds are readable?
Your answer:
2,28
